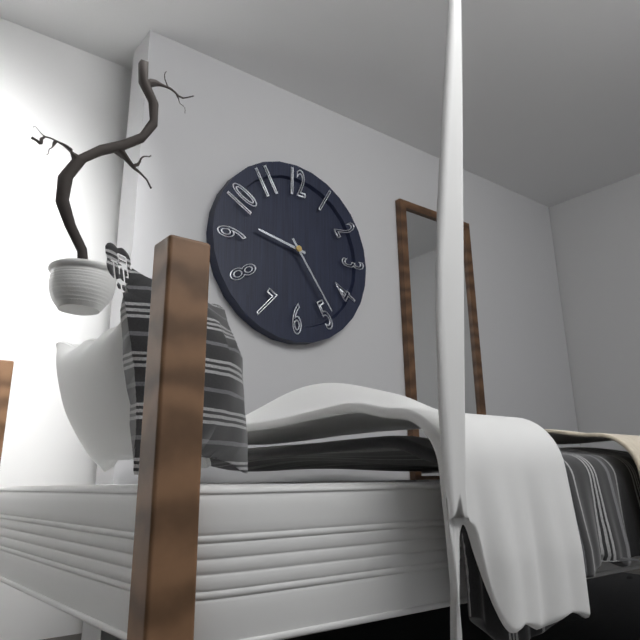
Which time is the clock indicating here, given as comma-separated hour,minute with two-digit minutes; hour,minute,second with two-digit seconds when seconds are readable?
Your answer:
9,24
